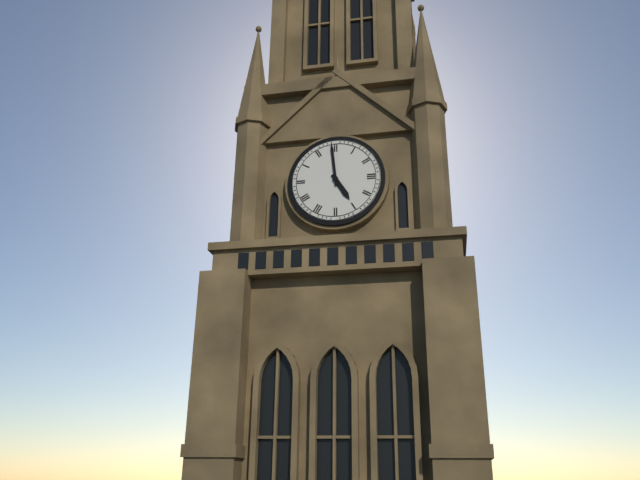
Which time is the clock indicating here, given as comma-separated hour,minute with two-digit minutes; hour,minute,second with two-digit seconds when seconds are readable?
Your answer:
4,59
